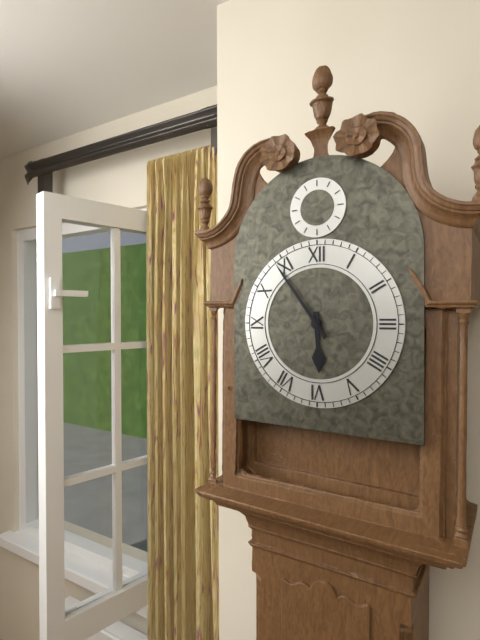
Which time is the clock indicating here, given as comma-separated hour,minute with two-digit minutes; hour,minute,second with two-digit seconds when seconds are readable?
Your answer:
5,54
